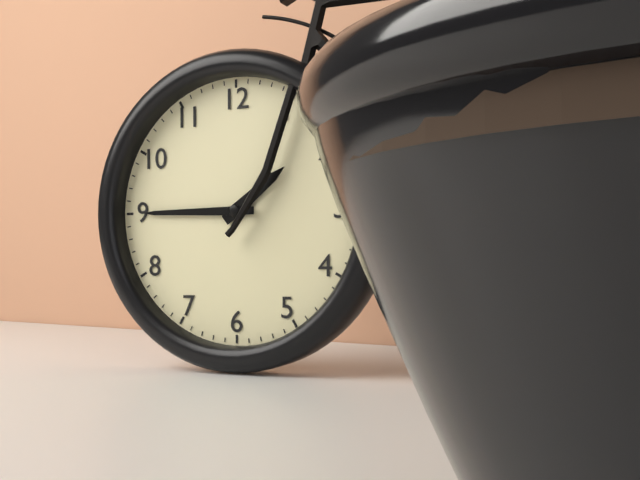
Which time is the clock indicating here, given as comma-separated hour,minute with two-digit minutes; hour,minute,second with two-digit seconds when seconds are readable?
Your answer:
1,45
